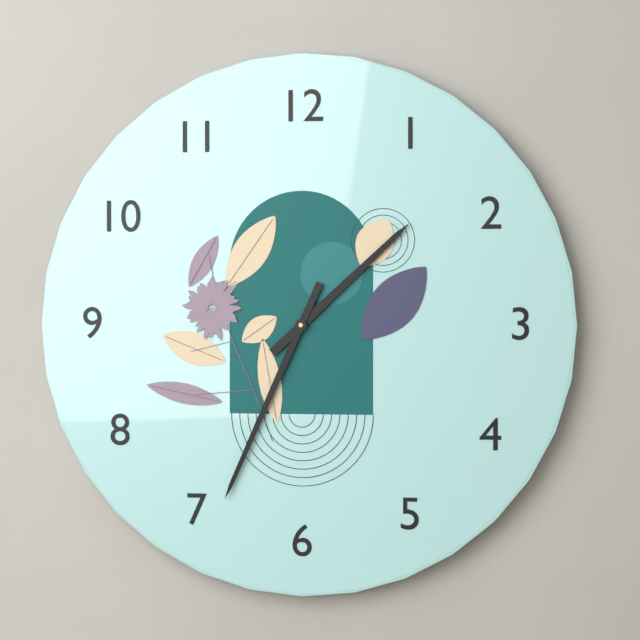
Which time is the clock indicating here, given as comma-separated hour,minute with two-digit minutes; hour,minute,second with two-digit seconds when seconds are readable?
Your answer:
1,34
